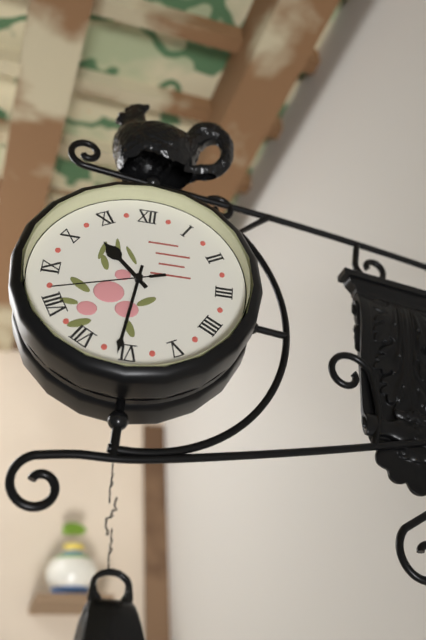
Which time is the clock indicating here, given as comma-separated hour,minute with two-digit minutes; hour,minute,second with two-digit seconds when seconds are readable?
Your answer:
10,31,42
